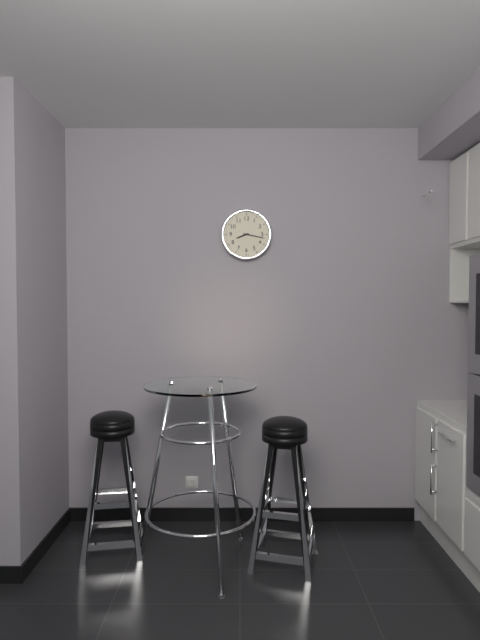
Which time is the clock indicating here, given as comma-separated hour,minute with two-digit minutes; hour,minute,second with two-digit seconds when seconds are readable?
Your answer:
8,17
